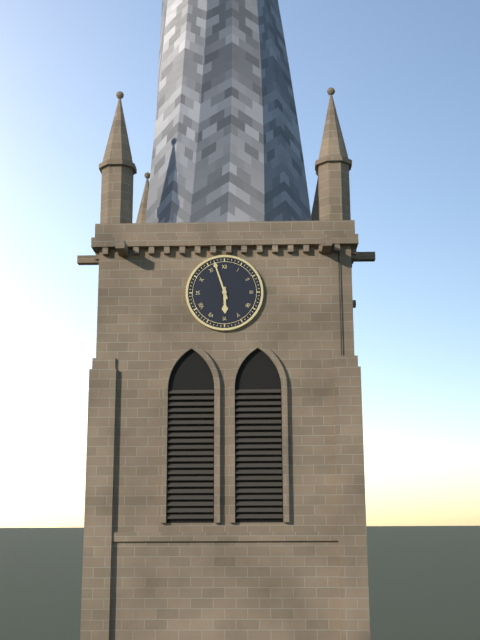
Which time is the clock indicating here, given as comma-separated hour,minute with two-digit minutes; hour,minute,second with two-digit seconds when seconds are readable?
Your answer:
5,57
